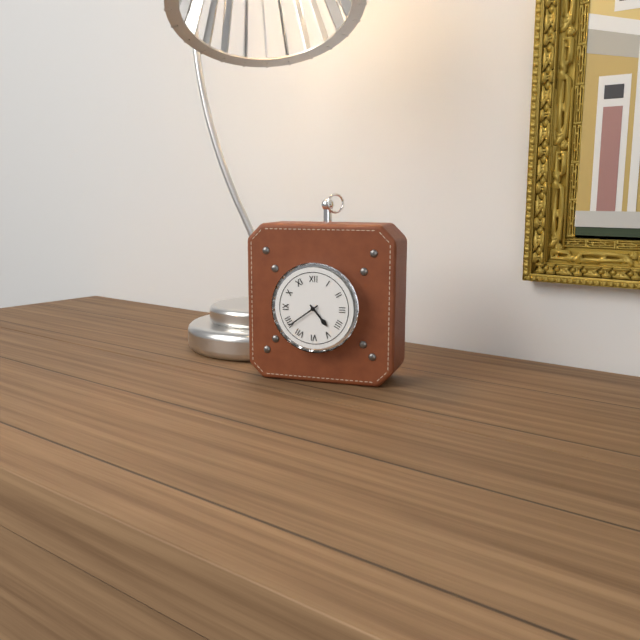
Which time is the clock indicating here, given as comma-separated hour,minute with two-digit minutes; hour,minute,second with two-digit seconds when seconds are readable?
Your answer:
4,39
